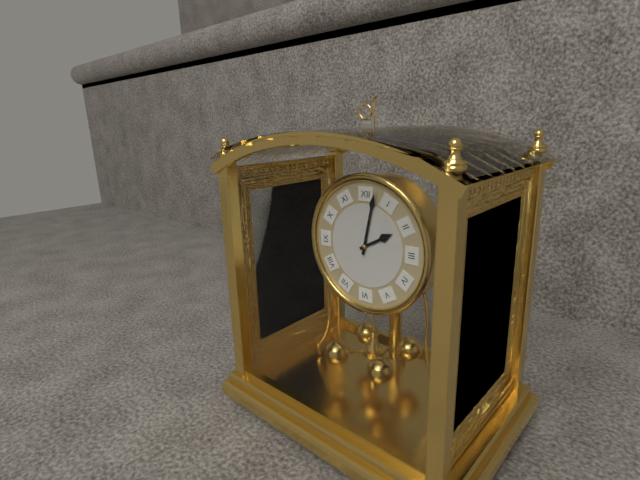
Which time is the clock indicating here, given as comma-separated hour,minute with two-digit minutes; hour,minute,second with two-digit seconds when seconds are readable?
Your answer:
2,02
